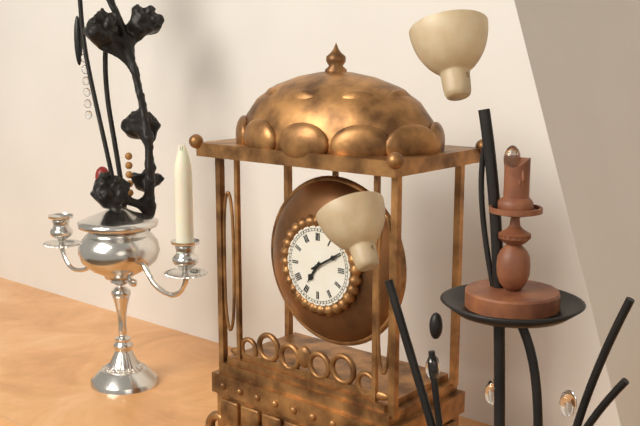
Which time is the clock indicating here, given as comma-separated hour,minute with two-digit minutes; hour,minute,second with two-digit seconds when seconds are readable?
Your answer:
7,10
